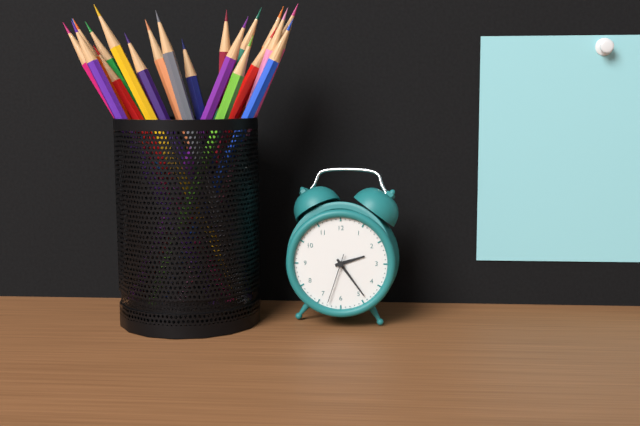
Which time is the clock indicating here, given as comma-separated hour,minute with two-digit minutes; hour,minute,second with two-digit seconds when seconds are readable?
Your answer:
2,24,33
